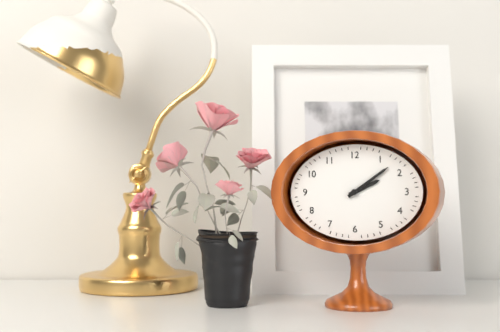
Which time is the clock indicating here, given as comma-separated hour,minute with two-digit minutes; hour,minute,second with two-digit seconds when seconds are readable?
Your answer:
2,09
